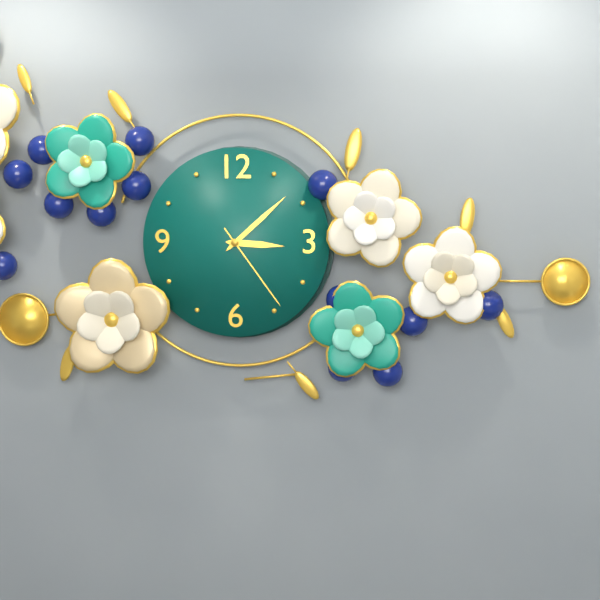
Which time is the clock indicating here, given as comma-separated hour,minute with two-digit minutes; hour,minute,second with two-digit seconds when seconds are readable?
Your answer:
3,08,24
